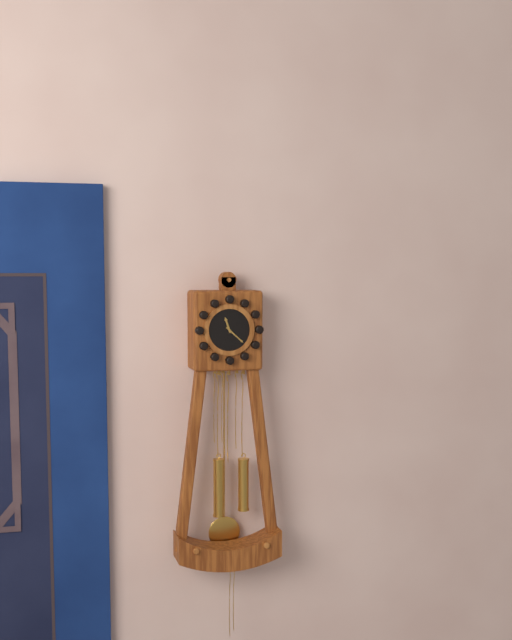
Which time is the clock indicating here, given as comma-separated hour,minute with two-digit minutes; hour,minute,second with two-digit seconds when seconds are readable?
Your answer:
11,22
